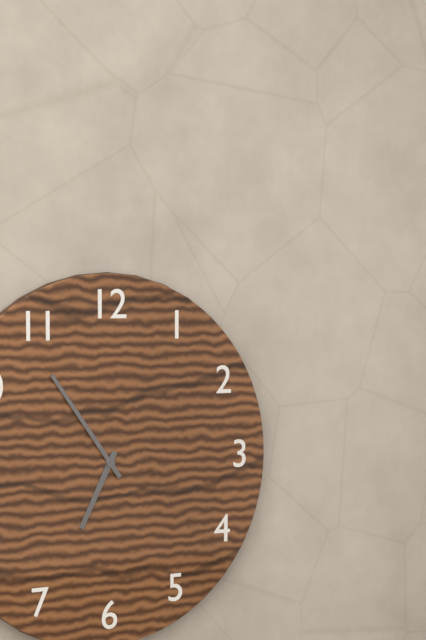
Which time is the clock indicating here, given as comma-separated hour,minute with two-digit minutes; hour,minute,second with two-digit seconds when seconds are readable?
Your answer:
6,54
